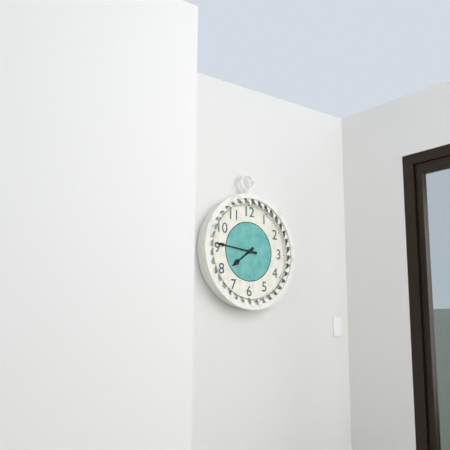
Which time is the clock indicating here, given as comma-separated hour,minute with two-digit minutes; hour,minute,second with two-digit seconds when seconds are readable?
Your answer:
7,46
